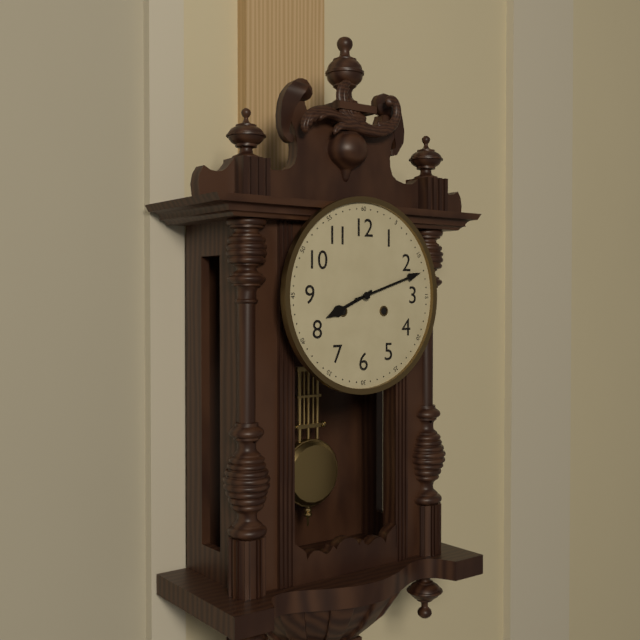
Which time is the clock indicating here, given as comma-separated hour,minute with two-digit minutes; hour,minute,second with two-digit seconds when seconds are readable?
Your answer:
8,12
